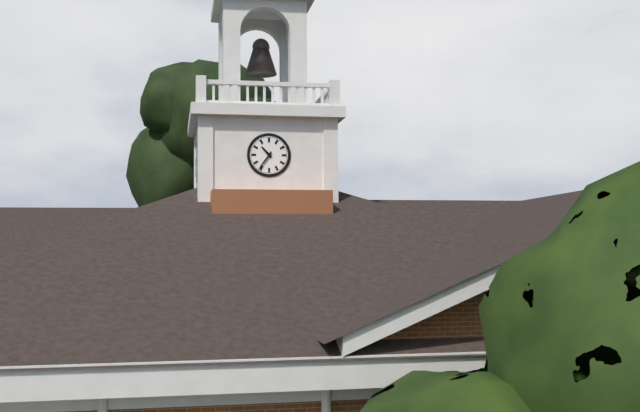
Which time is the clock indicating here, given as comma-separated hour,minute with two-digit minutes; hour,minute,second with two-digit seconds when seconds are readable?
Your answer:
10,36
